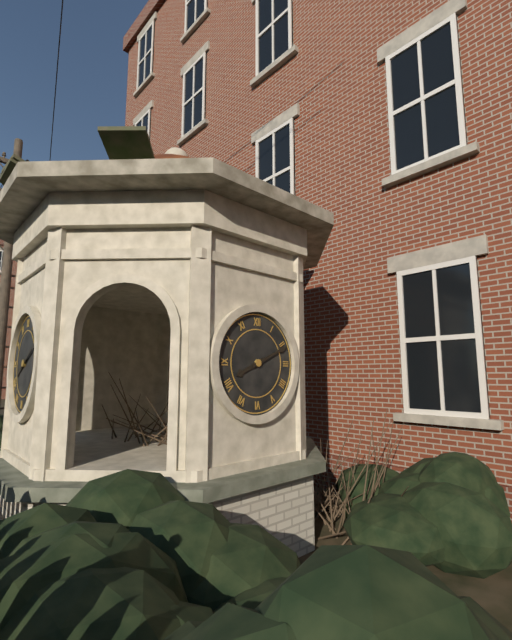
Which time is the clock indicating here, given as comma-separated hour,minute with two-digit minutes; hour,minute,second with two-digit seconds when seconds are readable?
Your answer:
8,11
